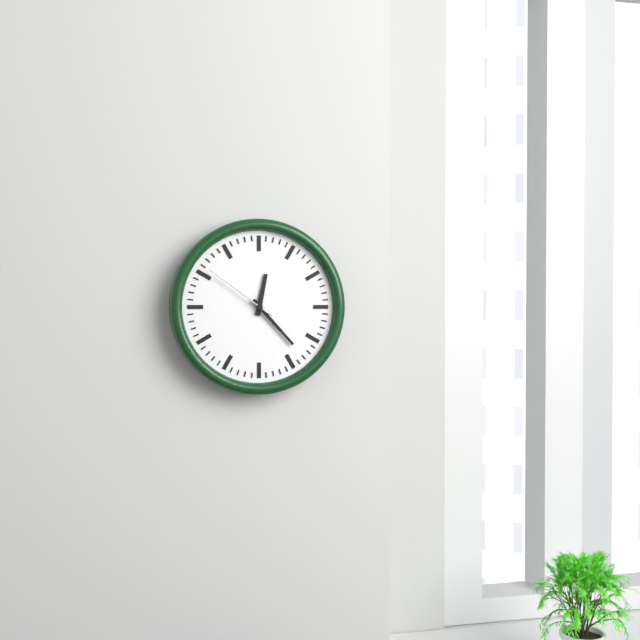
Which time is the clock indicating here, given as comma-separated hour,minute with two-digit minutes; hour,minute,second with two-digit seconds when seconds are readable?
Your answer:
12,23,51
